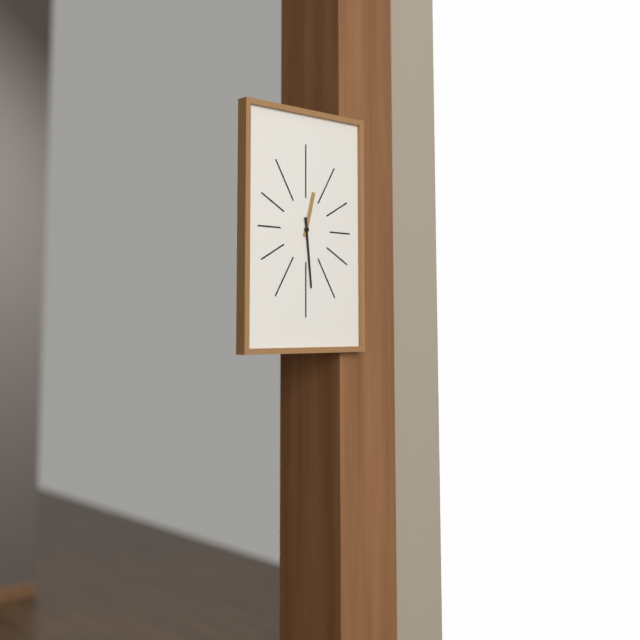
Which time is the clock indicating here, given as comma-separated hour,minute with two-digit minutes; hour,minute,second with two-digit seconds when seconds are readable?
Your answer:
12,29
